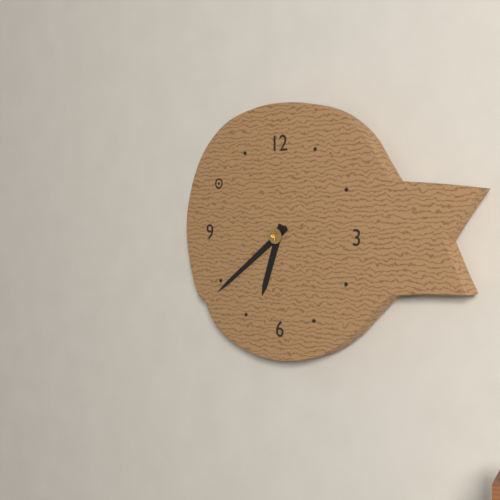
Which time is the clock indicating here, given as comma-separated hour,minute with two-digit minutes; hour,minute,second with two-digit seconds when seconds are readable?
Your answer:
6,39
